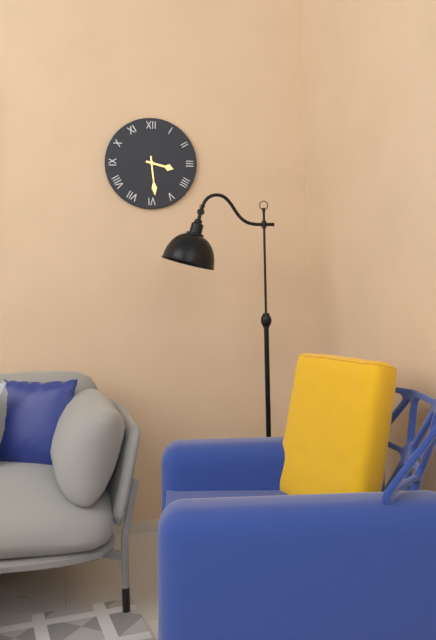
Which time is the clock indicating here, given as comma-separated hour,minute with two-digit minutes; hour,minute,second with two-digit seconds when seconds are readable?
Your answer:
3,29
